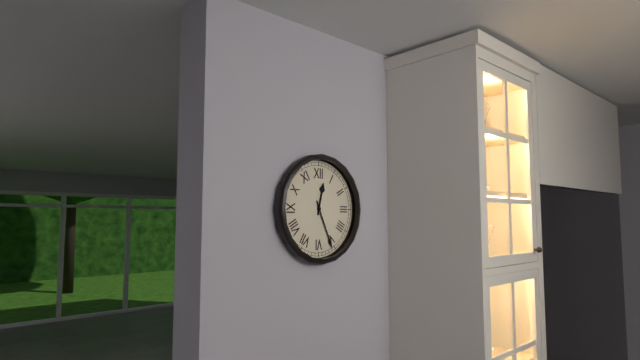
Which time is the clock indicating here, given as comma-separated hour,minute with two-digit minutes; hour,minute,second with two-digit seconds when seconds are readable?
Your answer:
12,26
